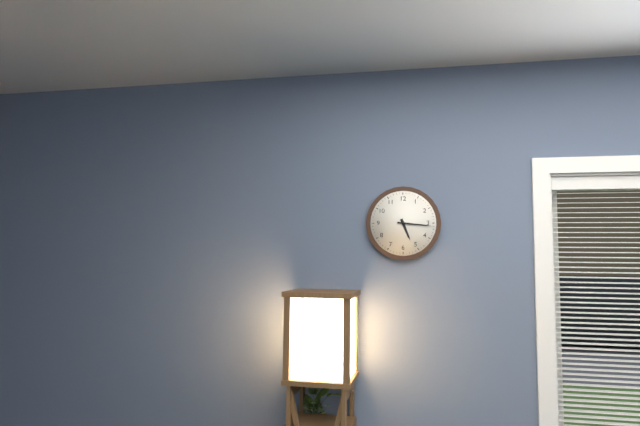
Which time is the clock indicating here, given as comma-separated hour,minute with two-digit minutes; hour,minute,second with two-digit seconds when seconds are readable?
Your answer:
5,16
